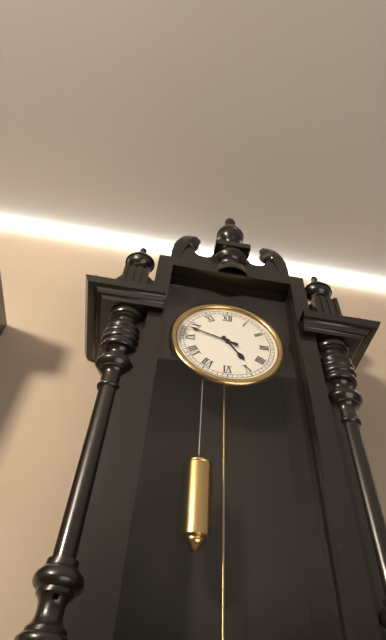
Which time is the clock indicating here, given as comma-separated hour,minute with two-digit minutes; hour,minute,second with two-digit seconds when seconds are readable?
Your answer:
4,48
